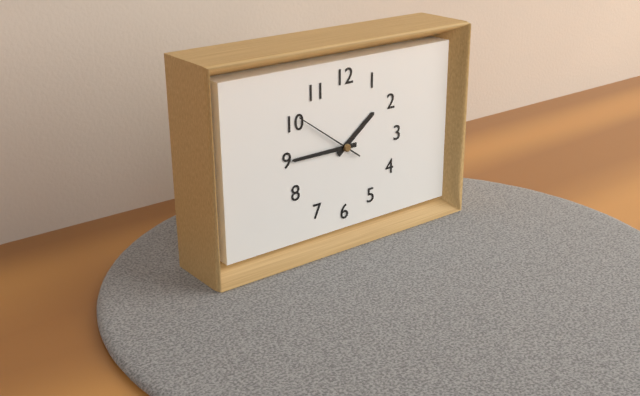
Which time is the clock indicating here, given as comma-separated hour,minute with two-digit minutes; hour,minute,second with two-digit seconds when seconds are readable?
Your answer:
1,45,51
